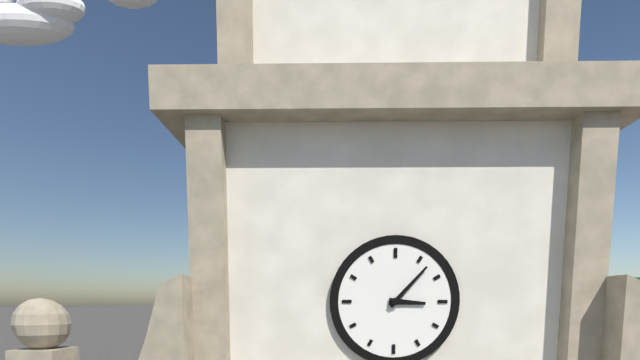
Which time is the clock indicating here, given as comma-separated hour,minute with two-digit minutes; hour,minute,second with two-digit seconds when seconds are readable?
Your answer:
3,07
